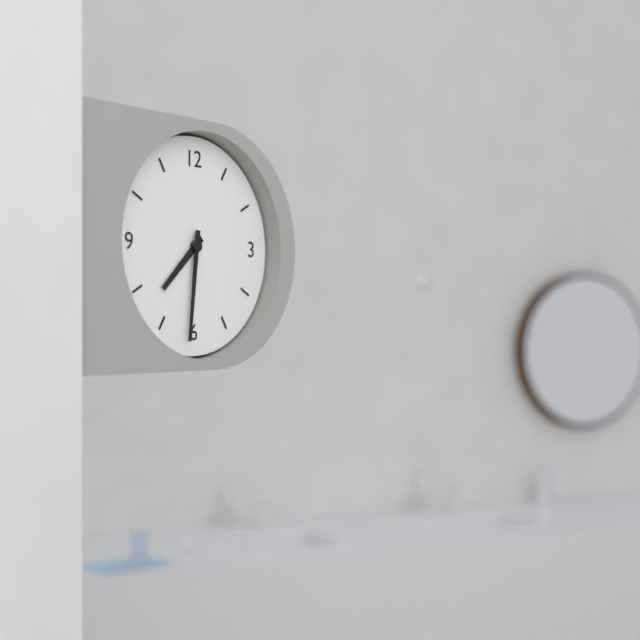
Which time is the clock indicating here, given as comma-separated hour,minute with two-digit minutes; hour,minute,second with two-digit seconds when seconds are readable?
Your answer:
7,31
